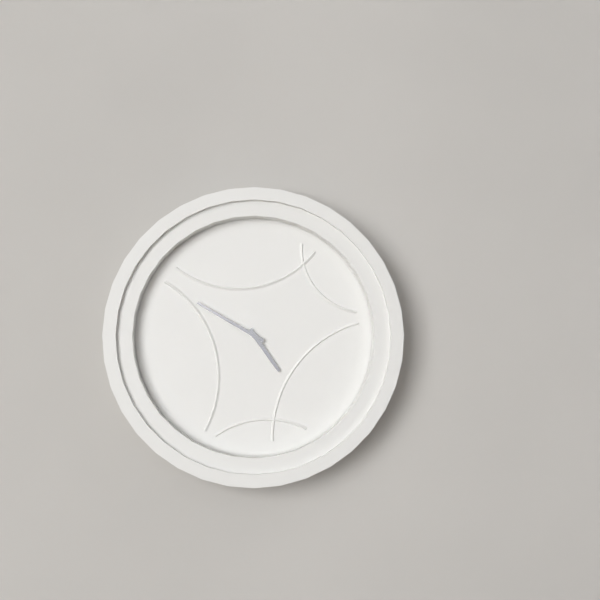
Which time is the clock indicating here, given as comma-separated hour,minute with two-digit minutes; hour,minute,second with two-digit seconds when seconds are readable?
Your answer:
4,50
